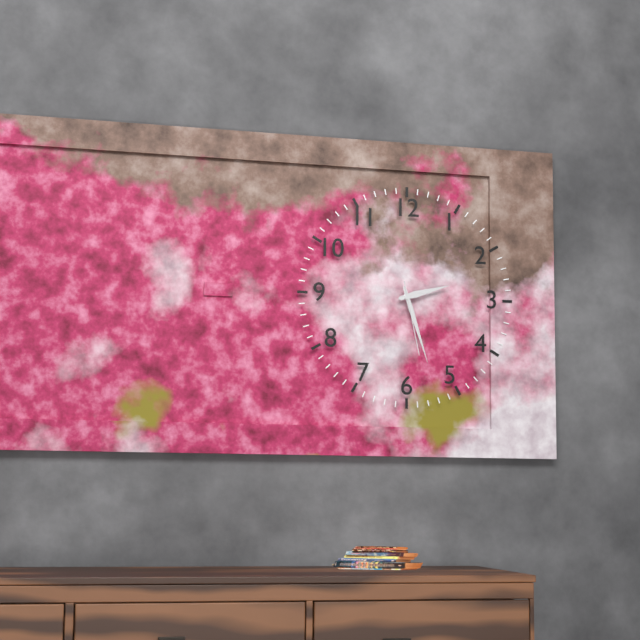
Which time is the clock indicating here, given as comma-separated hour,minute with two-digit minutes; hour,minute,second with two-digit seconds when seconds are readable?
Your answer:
2,27,28
